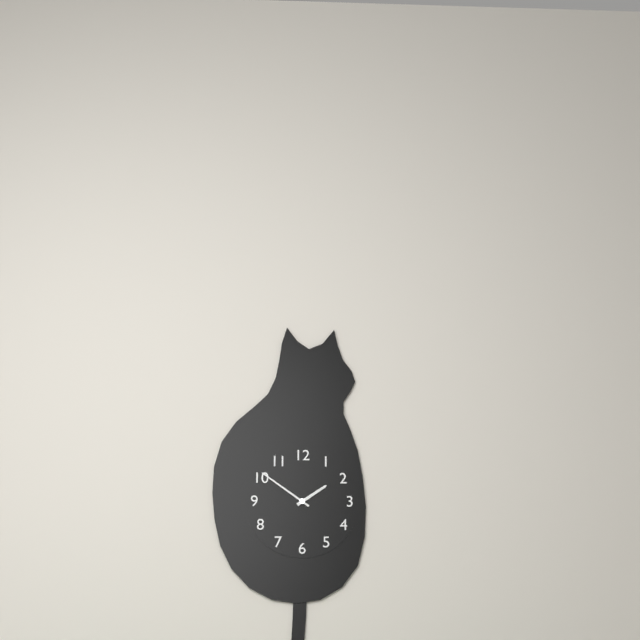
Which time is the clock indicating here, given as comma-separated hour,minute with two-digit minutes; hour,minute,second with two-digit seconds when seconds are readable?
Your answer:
1,51
